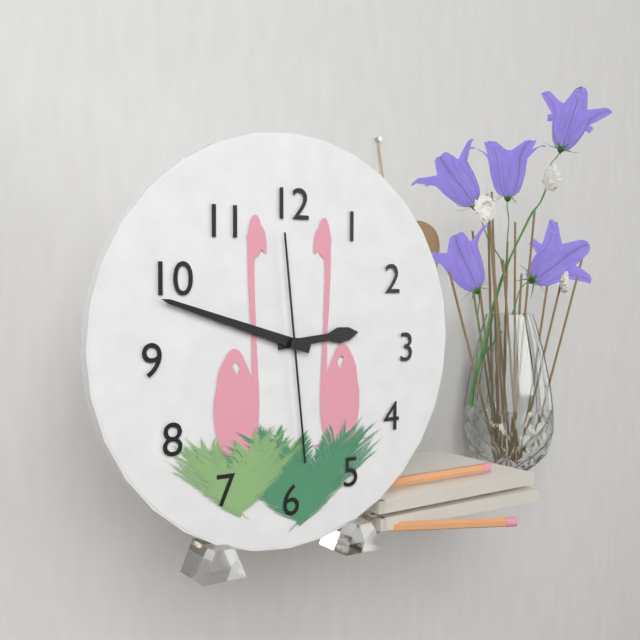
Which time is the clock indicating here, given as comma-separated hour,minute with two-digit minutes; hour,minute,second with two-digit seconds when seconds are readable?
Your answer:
2,48,29
